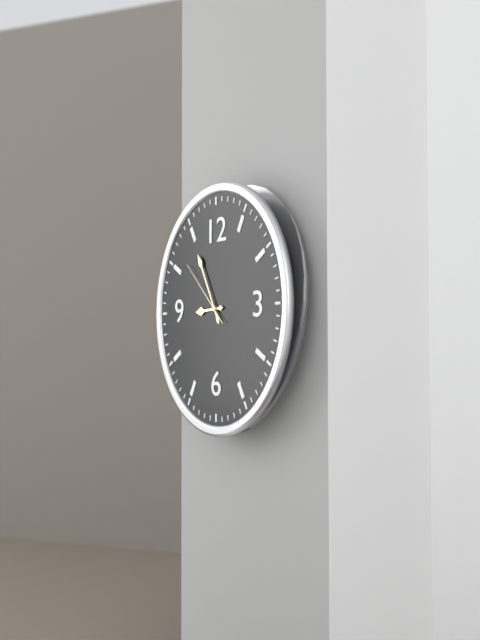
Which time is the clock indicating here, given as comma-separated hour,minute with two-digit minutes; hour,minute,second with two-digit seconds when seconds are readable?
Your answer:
8,55,52
